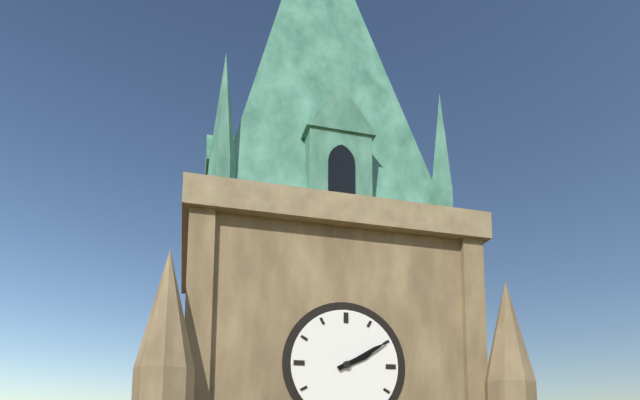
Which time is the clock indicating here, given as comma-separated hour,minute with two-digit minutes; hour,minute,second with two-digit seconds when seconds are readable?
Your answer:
2,10
